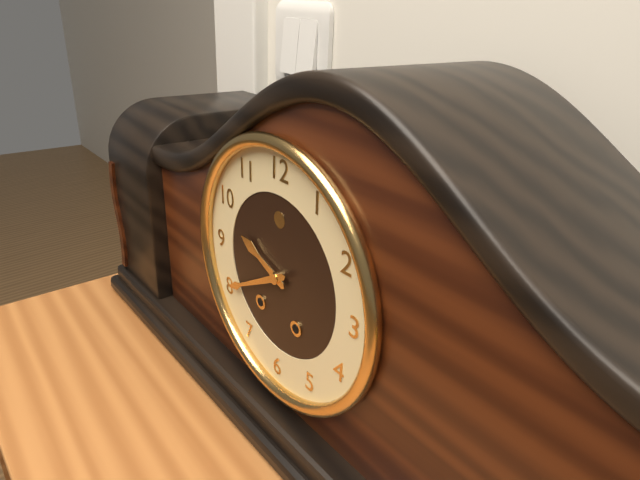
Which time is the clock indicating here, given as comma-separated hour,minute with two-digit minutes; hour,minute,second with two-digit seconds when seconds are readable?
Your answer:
9,40
